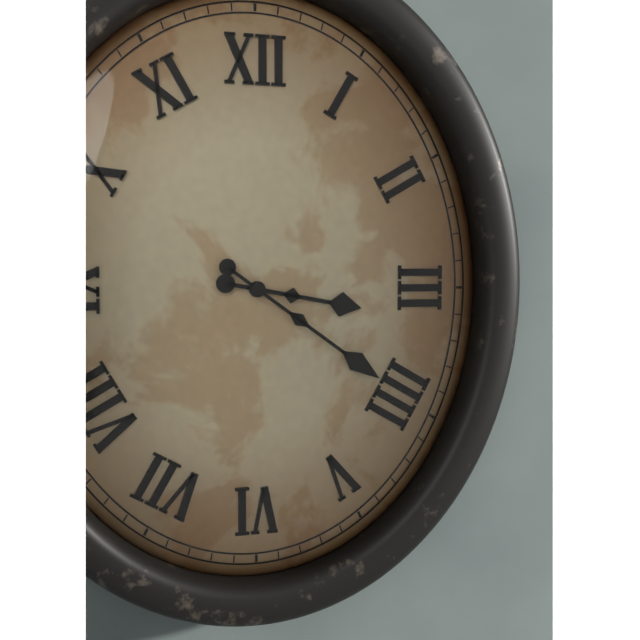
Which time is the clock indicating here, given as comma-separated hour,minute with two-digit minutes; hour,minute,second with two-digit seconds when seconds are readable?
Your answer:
3,21
